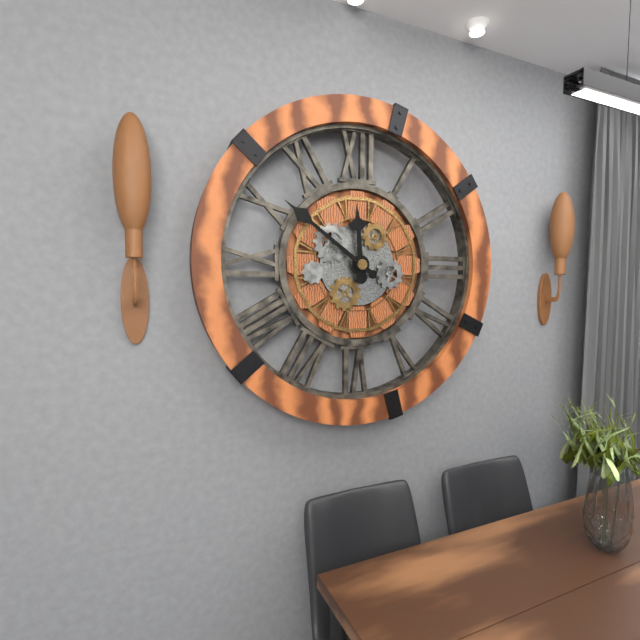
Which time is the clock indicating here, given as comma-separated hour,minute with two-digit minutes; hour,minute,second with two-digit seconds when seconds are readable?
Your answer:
11,51
